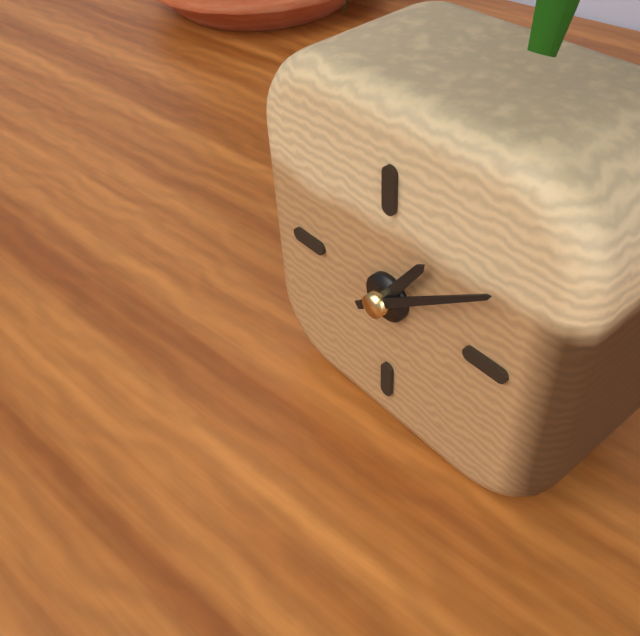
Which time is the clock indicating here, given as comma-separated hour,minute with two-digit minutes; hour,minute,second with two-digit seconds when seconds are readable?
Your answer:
1,09
